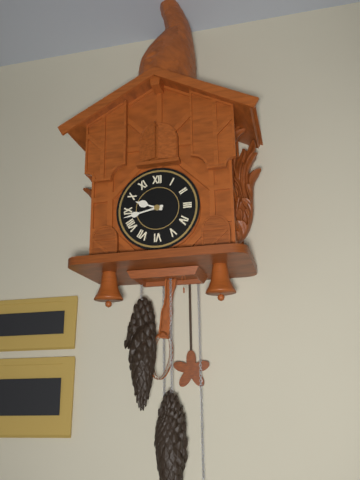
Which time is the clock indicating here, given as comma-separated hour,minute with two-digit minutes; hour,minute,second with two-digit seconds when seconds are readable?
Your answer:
9,43
